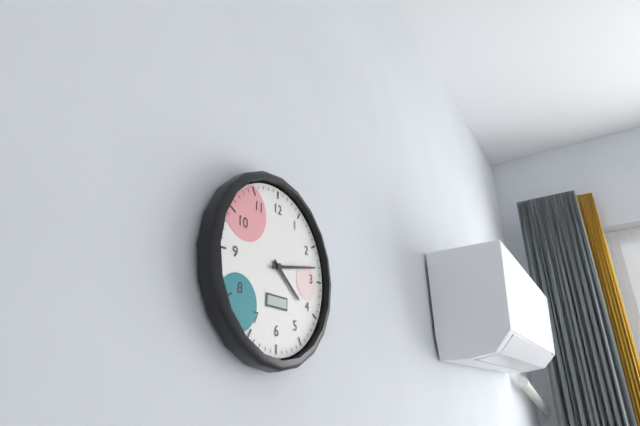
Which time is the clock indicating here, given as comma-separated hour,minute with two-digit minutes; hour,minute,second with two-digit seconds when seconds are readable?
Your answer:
4,13
